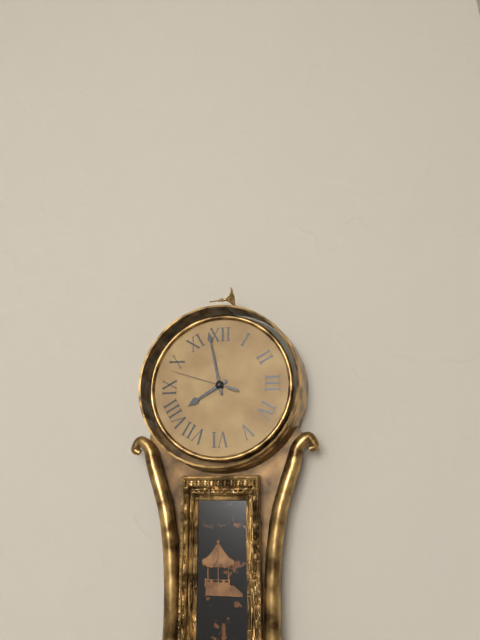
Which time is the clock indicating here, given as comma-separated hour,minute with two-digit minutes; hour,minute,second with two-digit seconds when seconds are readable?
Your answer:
7,58,48
